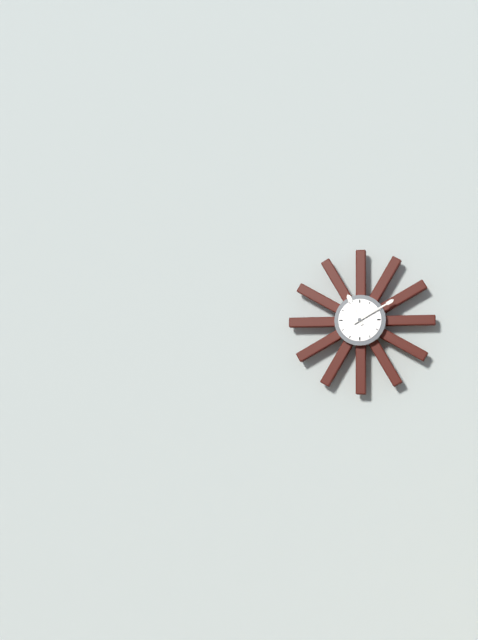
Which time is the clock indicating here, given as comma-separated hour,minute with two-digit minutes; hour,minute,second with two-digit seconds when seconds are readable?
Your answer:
11,10
